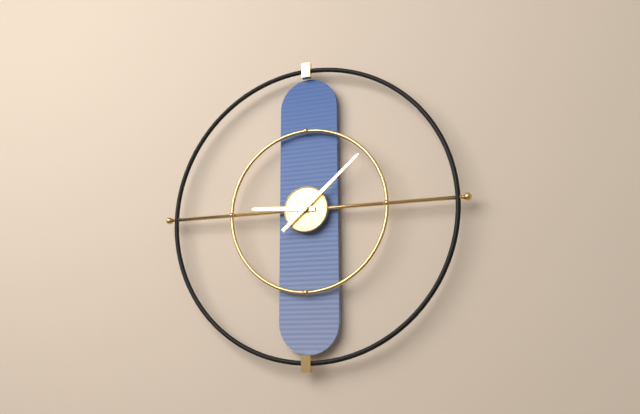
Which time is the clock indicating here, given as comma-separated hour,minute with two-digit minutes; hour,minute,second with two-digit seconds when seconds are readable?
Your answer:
9,08
